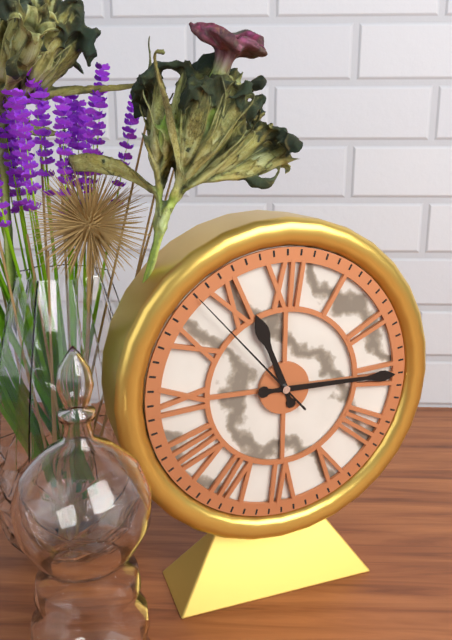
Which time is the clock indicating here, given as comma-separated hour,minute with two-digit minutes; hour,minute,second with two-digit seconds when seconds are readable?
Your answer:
11,15,53
